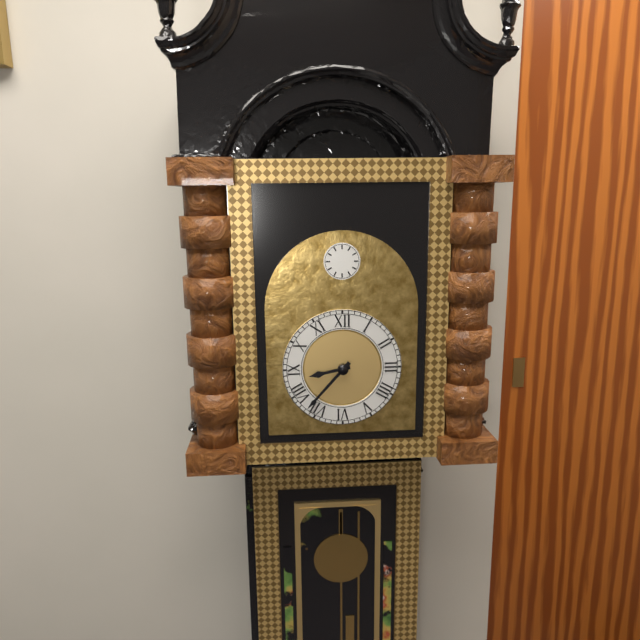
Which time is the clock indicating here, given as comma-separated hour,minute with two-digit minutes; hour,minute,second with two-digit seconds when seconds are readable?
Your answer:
8,37
